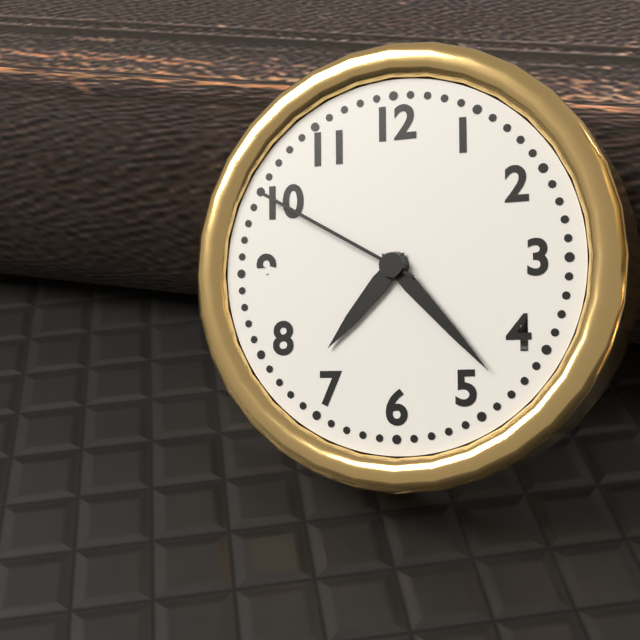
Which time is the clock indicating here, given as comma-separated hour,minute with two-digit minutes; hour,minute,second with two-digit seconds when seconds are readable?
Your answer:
7,23,50
